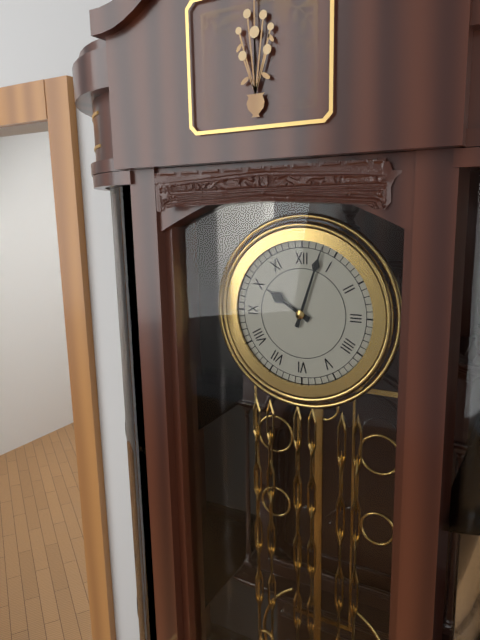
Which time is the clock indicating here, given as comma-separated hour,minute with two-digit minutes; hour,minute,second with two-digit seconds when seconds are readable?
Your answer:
10,03
